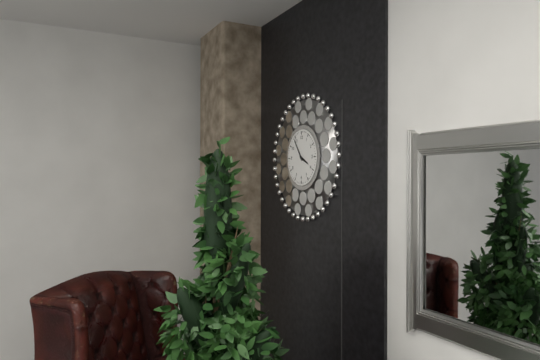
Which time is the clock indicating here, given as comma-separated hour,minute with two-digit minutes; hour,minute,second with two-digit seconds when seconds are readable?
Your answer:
3,54
